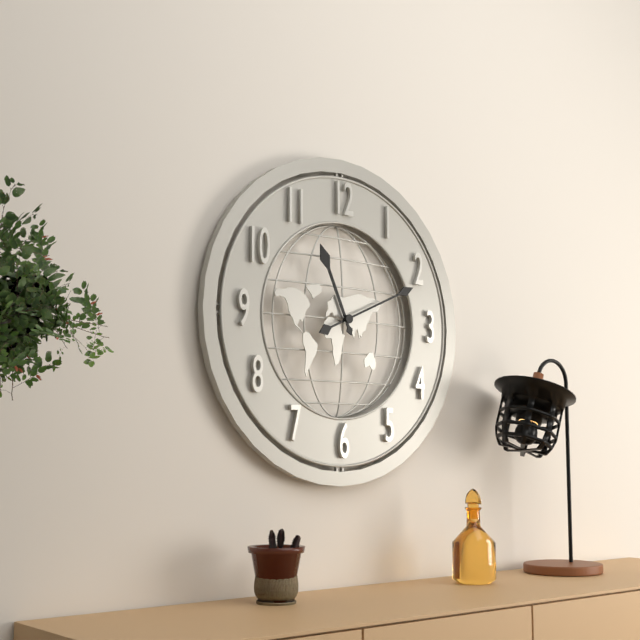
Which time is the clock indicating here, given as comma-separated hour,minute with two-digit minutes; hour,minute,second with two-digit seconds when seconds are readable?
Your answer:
11,11
